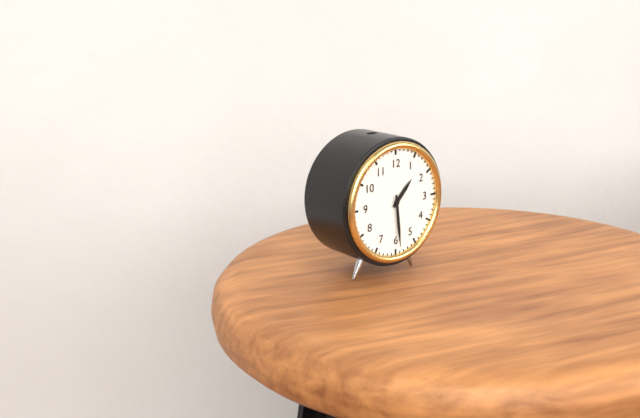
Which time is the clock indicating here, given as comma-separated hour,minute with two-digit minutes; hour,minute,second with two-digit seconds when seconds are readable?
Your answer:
1,29
